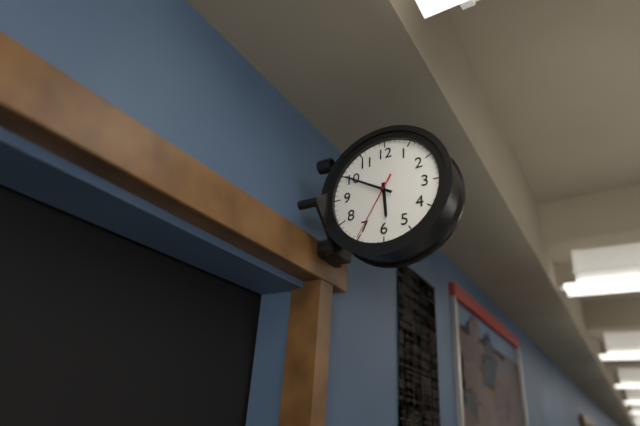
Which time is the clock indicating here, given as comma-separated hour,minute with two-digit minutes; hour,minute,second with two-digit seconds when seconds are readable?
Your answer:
5,50,35
